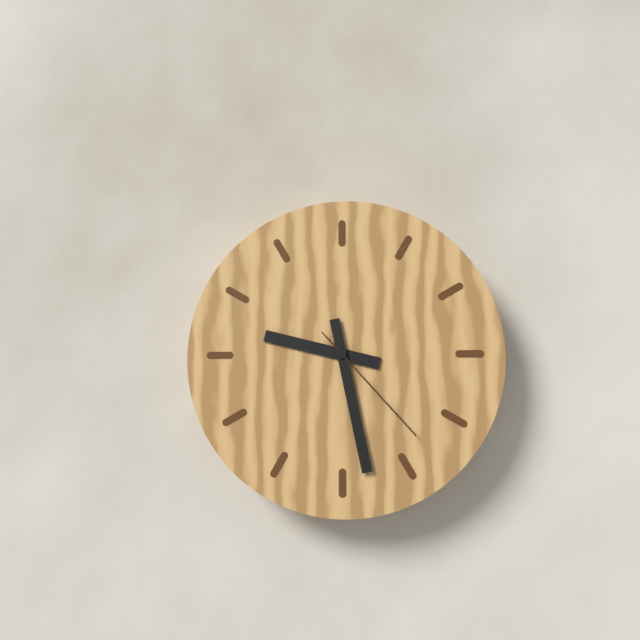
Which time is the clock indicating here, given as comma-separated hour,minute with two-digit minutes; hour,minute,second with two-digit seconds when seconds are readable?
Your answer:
9,28,23
